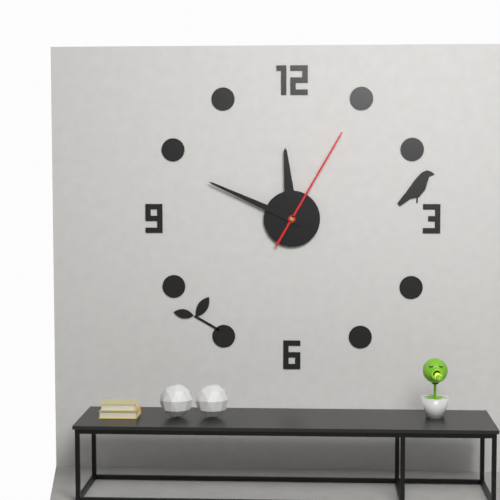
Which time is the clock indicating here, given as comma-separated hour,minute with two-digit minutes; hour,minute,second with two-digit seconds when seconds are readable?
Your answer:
11,49,05
